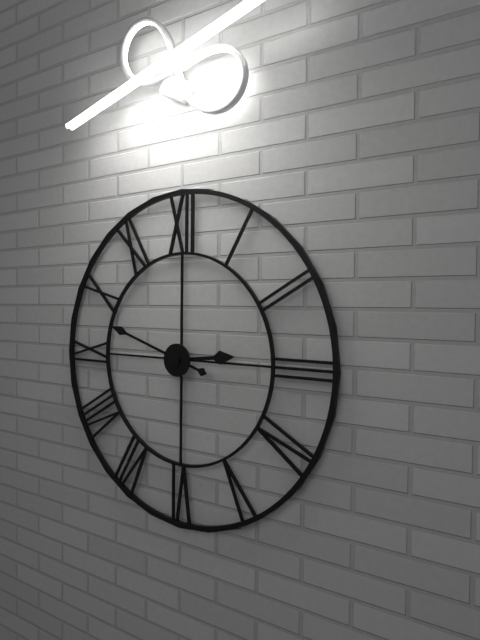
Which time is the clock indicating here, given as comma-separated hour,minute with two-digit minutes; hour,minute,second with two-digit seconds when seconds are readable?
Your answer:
2,48
